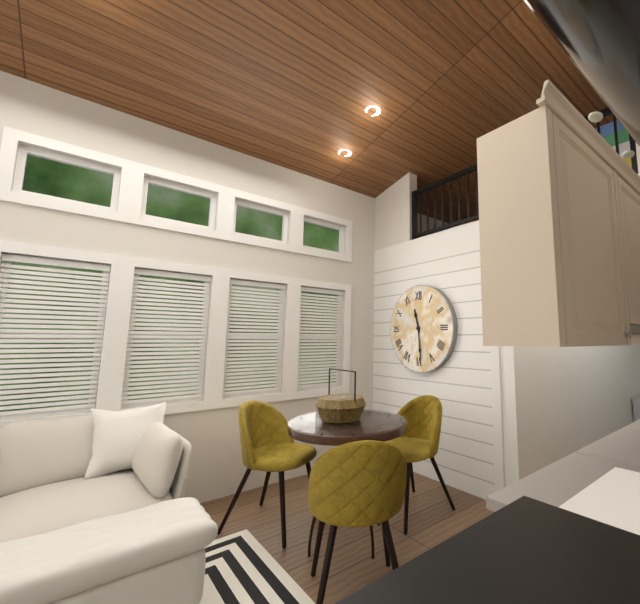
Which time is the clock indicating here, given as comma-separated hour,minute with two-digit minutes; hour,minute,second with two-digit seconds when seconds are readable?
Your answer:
11,29
